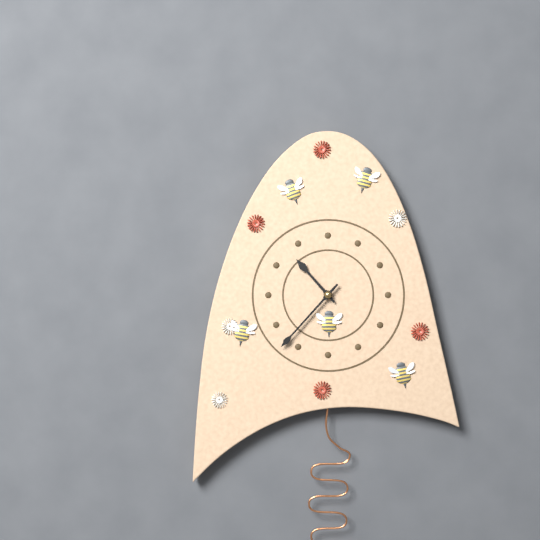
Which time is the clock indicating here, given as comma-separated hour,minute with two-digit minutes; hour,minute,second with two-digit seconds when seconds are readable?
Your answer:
10,37
